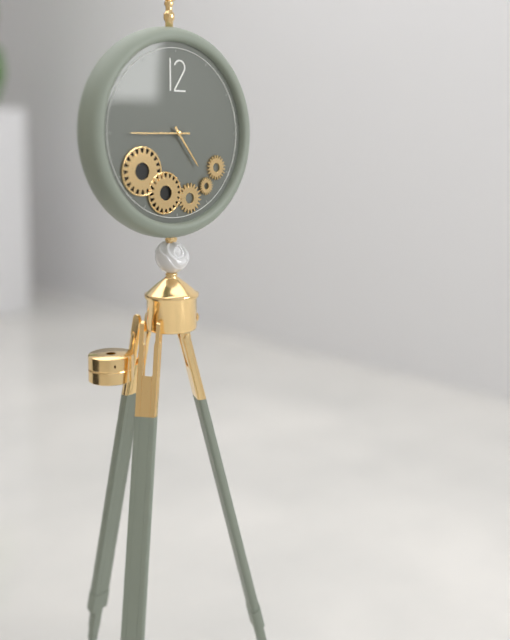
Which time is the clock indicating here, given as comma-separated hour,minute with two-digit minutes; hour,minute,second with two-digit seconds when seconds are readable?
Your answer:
4,45
